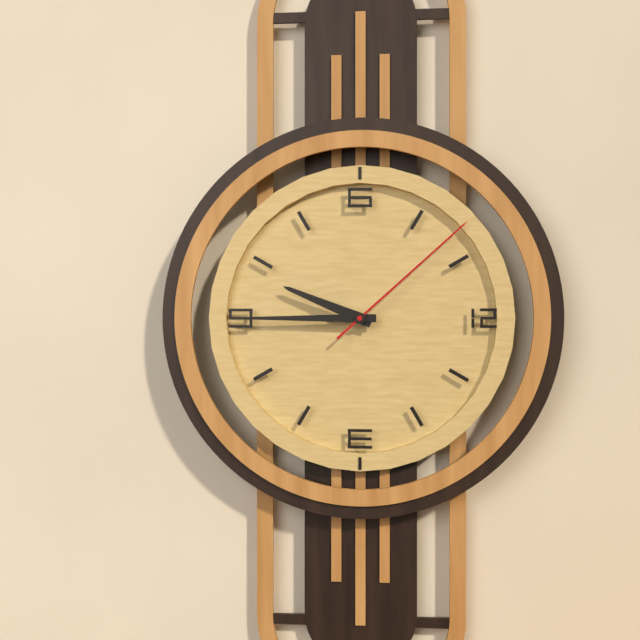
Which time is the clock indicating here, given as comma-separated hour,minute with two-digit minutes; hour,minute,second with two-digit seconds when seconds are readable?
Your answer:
9,45,08
